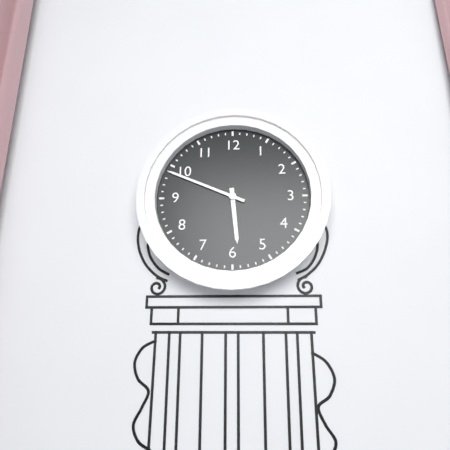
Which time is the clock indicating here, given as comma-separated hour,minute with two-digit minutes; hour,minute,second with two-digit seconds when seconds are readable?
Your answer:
5,49
